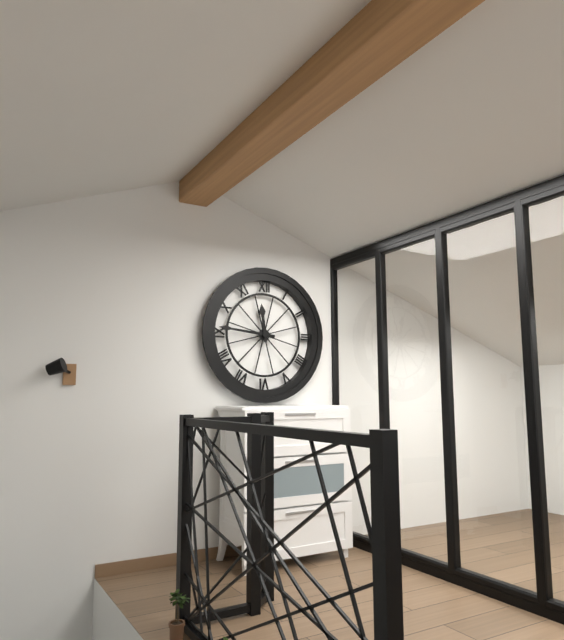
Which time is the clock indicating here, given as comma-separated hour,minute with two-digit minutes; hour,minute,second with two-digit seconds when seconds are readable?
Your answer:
11,46
